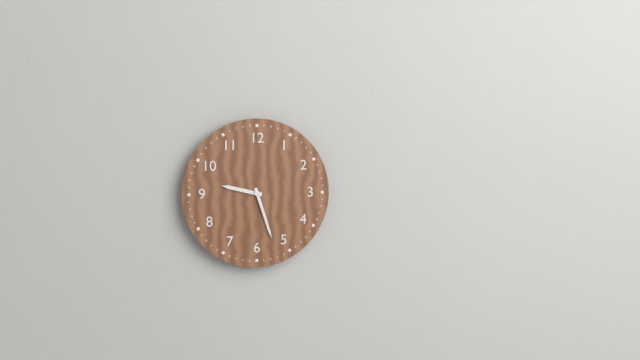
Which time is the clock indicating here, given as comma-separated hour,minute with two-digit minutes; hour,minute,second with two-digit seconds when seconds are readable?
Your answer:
9,27
